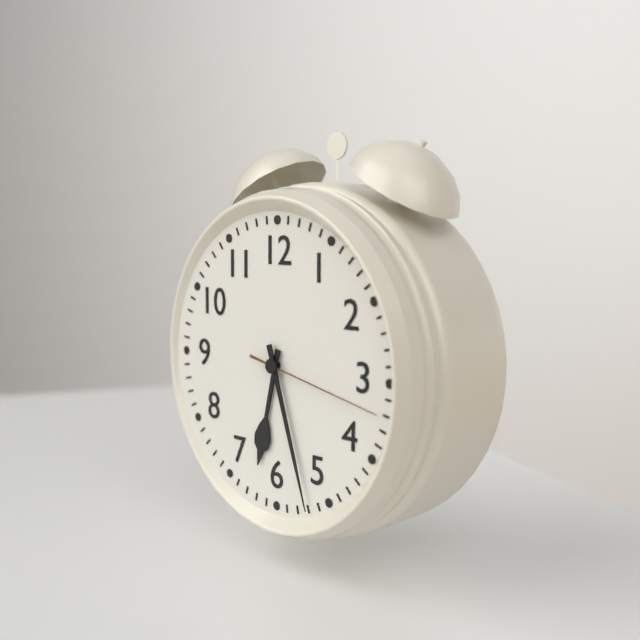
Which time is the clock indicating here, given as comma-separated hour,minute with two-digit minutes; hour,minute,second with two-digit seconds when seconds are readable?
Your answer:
6,27,17
